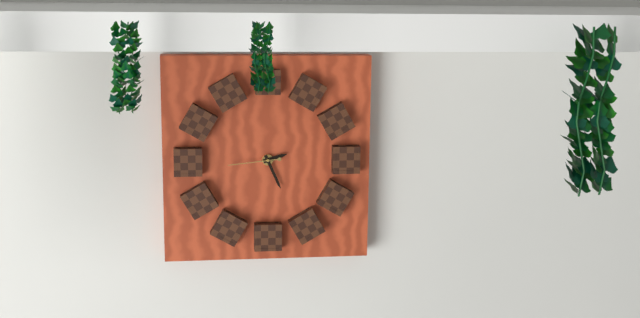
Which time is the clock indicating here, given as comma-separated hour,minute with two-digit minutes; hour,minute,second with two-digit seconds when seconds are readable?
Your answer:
2,26,44
